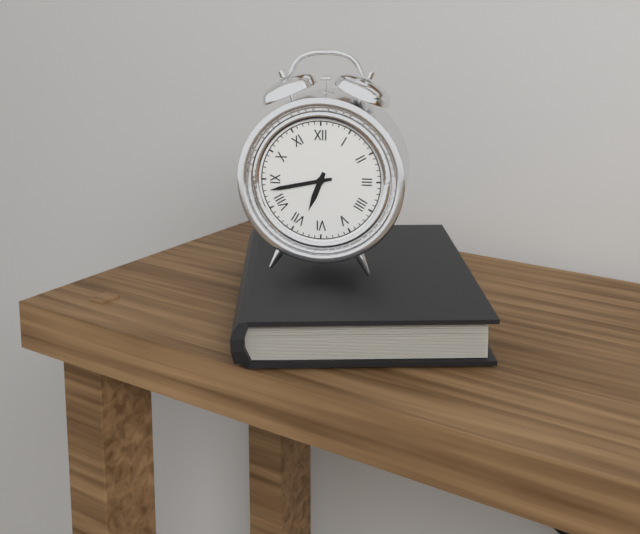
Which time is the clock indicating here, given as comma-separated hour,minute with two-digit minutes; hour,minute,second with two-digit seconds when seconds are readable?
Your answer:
6,43
